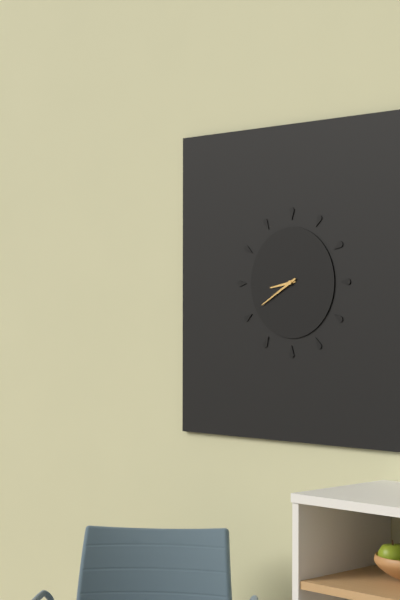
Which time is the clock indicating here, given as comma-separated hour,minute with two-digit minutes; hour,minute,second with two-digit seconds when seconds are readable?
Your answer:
8,40
